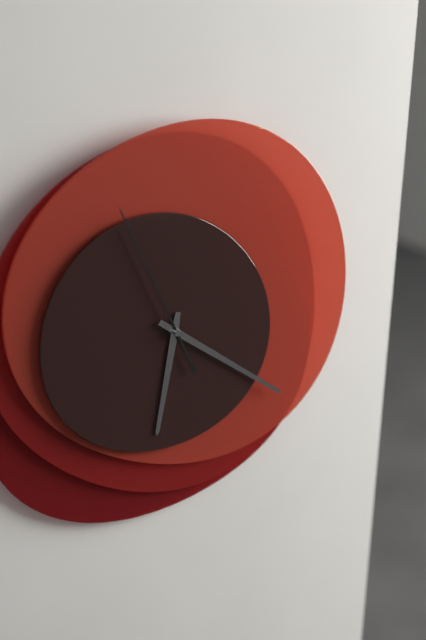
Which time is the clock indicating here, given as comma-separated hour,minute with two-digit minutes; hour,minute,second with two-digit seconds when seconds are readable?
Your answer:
6,21,56
